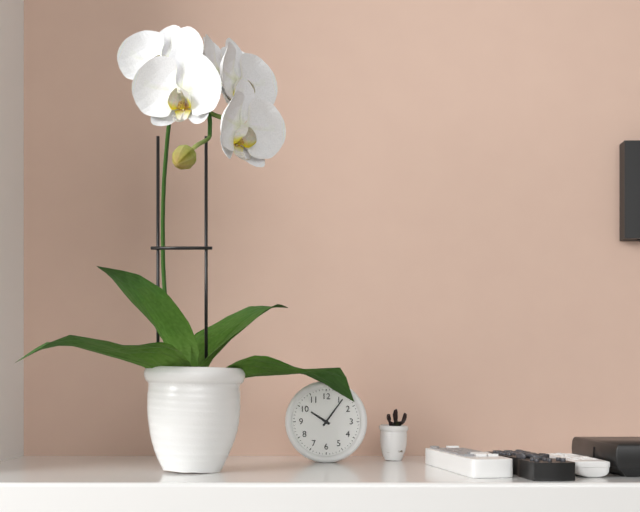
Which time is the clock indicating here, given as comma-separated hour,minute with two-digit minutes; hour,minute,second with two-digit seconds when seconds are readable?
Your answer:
10,06
